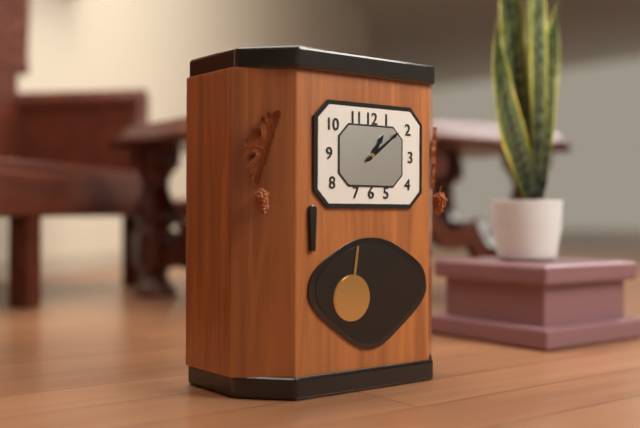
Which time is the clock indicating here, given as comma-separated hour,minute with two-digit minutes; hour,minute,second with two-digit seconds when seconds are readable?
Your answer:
1,09
